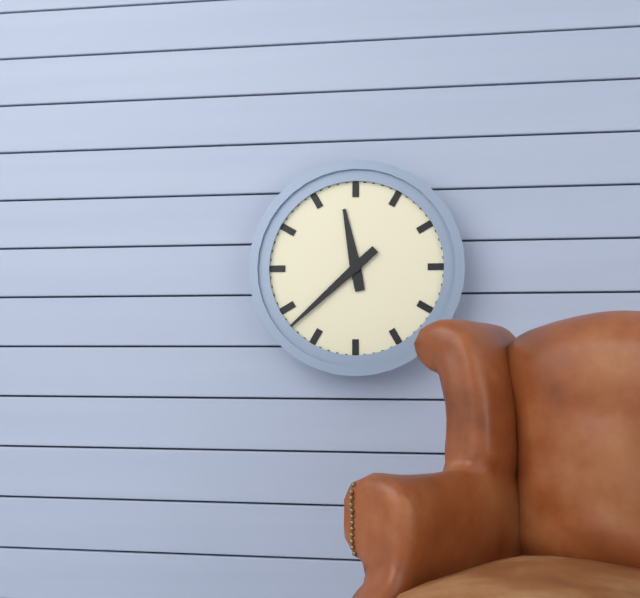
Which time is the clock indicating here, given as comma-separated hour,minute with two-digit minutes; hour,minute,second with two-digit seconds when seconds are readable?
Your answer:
11,38
